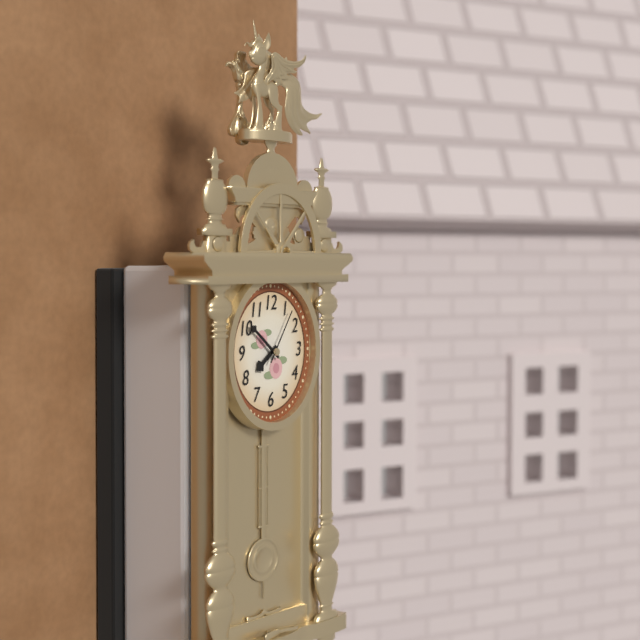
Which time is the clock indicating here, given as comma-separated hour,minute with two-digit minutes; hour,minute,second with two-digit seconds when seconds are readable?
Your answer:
7,51,06
